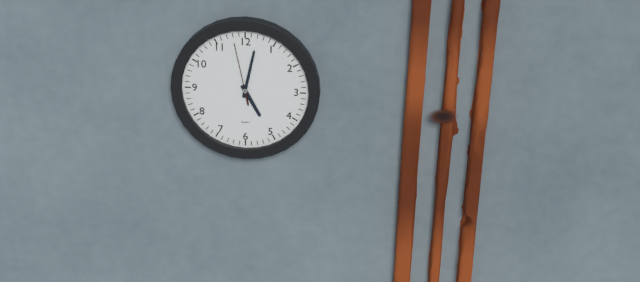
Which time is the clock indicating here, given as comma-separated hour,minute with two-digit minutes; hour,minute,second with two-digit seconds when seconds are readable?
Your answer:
5,02,58
